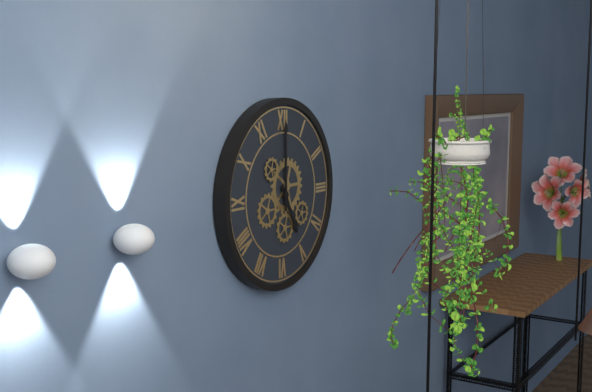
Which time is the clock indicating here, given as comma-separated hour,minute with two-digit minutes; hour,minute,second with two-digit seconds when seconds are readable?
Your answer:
5,00
